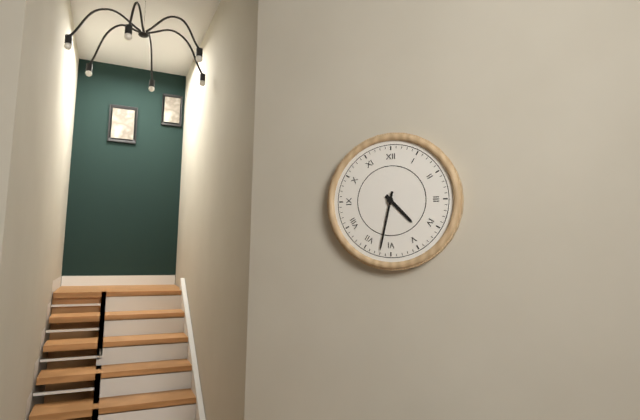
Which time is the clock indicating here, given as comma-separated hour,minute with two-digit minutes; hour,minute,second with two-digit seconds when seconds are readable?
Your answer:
4,32
